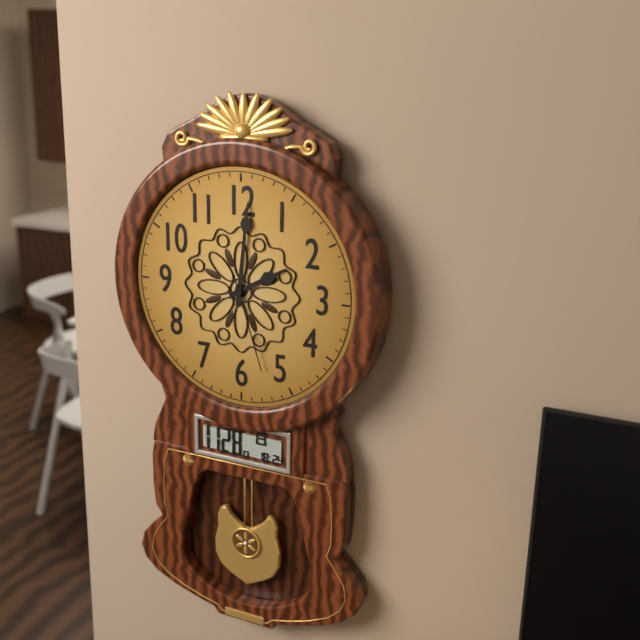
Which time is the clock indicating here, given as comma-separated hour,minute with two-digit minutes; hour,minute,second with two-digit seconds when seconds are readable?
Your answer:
2,01,27
